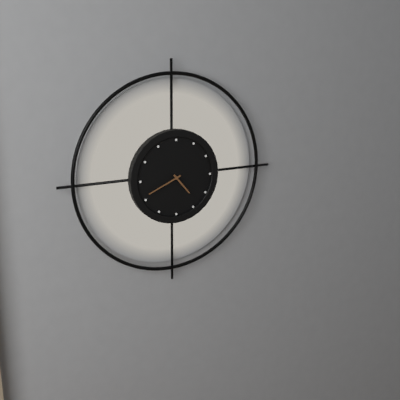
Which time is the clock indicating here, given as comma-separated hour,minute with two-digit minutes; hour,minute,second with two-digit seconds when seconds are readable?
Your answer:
4,41
